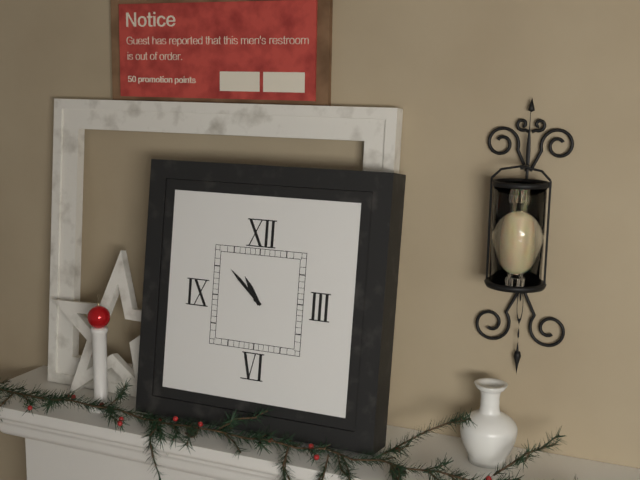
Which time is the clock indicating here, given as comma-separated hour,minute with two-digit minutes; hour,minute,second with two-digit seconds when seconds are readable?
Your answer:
10,52
